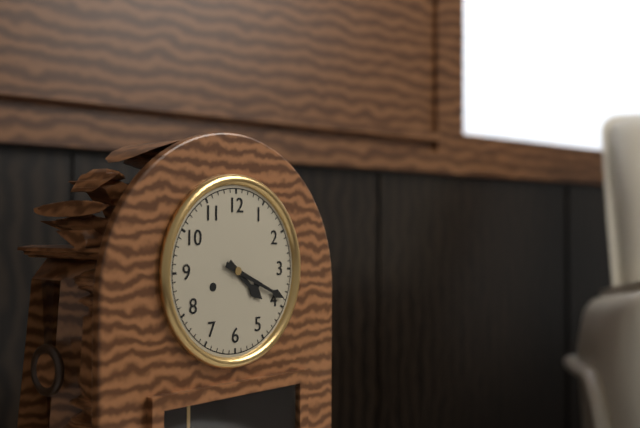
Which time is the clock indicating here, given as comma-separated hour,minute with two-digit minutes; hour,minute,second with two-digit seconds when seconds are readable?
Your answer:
4,19
